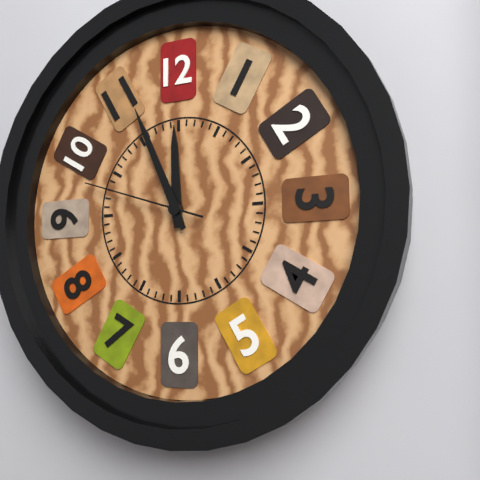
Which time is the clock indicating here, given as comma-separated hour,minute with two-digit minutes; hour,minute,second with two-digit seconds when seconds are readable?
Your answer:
11,56,48
